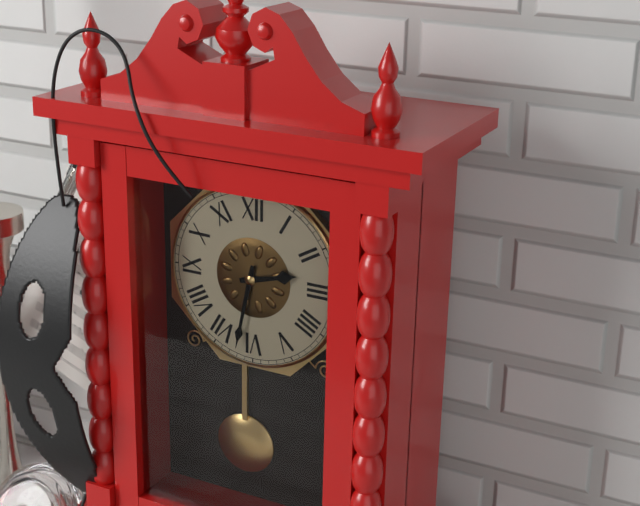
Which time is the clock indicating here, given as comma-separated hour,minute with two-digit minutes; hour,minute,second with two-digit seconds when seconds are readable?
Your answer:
2,32
